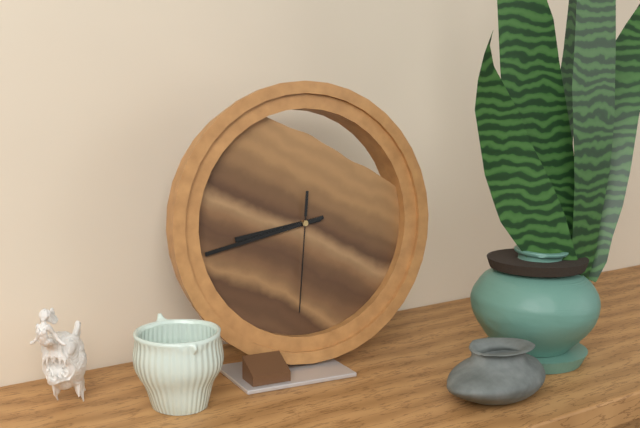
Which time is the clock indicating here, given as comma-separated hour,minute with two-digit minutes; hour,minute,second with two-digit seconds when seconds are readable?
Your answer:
8,43,31
